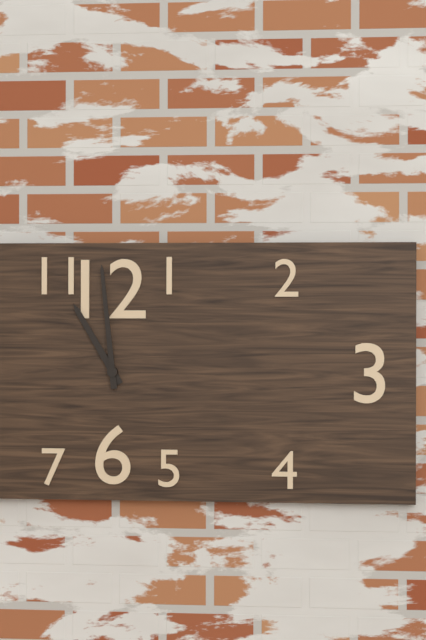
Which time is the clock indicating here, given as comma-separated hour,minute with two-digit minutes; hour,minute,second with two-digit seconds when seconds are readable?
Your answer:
10,59
